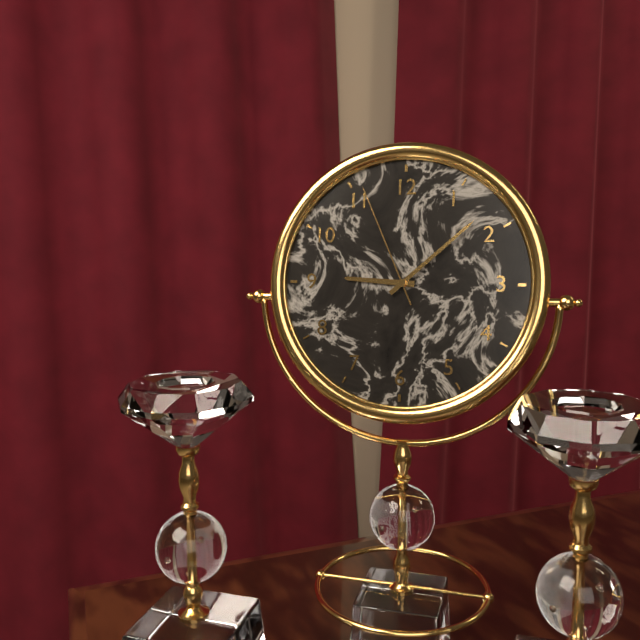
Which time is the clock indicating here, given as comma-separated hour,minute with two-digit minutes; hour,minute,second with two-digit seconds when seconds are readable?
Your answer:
9,08,56
